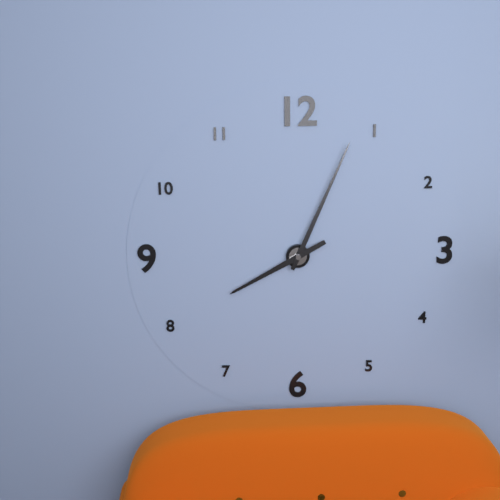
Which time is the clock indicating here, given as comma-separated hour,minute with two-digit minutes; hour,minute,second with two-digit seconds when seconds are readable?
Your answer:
8,04
